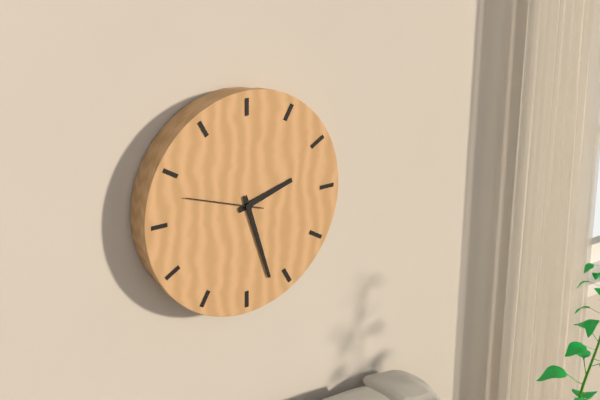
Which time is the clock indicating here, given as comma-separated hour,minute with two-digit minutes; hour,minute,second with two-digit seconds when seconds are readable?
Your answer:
2,27,48
